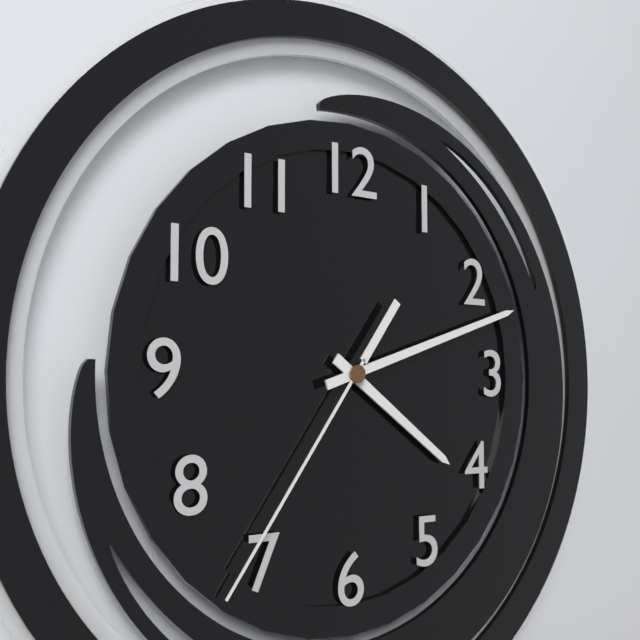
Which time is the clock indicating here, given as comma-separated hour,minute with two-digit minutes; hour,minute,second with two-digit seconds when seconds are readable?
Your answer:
4,12,36
